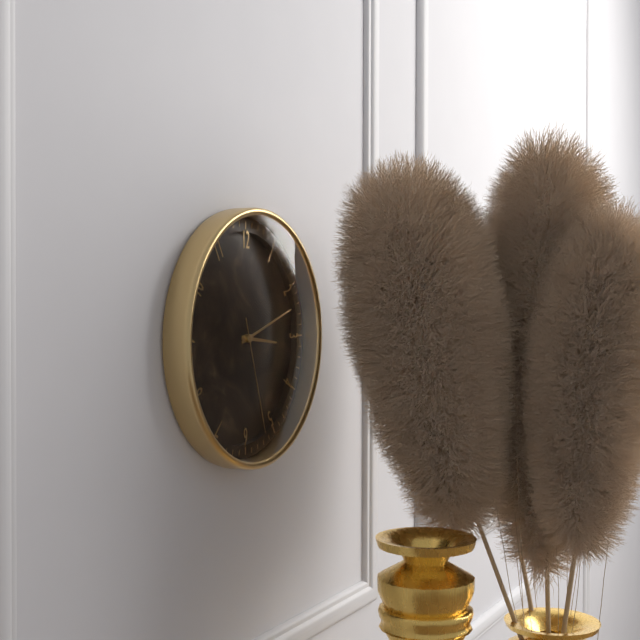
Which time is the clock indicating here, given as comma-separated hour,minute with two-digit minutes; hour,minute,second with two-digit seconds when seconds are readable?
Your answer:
3,12,27
